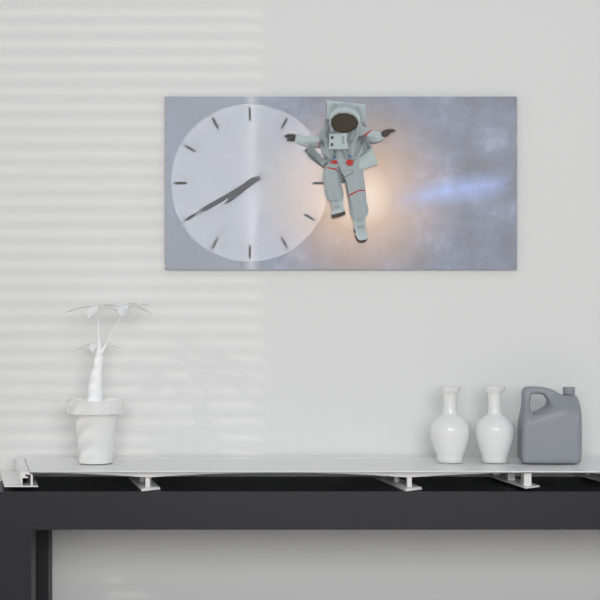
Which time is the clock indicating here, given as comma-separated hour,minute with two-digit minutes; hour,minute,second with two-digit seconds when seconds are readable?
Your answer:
7,40
